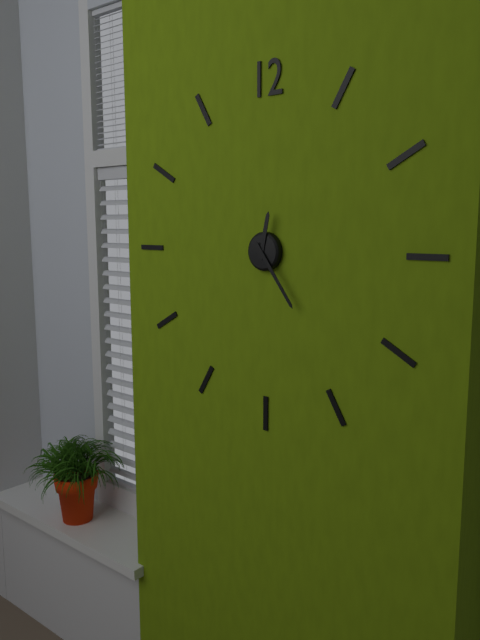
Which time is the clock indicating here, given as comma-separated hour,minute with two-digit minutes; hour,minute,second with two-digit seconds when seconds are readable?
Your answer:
12,24
